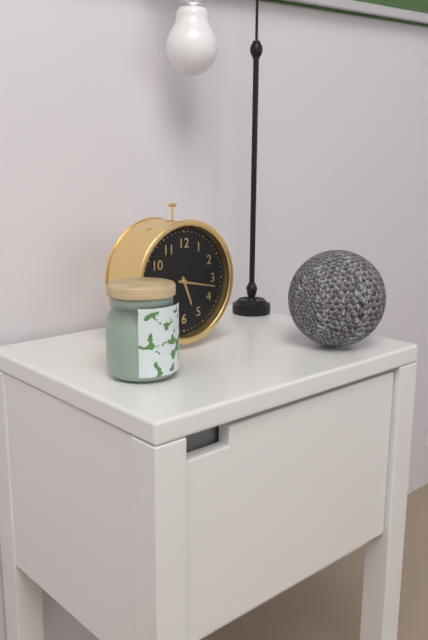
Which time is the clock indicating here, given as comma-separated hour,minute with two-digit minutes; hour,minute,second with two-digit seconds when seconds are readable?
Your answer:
5,17
